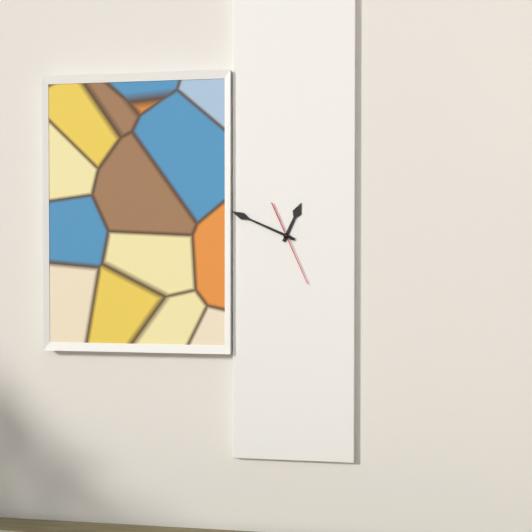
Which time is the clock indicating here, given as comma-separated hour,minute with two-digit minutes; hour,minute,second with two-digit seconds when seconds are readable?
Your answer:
12,49,26
